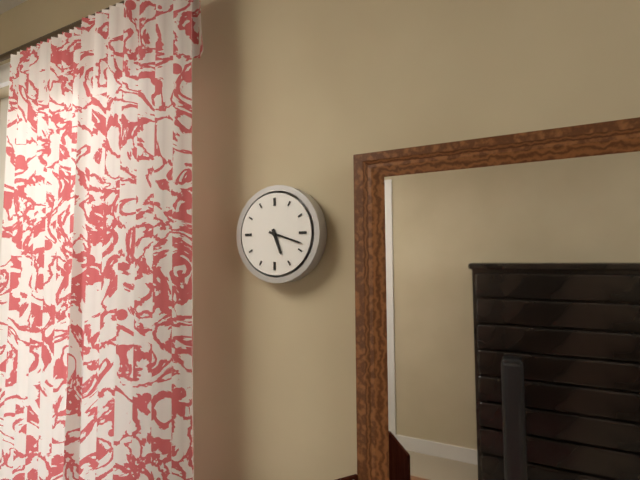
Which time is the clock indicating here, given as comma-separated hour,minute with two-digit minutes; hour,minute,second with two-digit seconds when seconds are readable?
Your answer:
5,18
